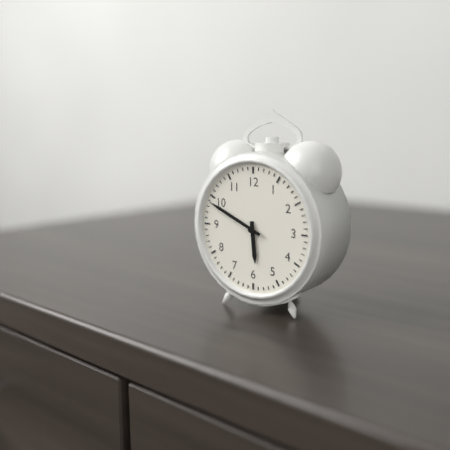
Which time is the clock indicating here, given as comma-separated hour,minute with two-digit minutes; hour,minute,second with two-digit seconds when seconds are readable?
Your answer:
5,49
